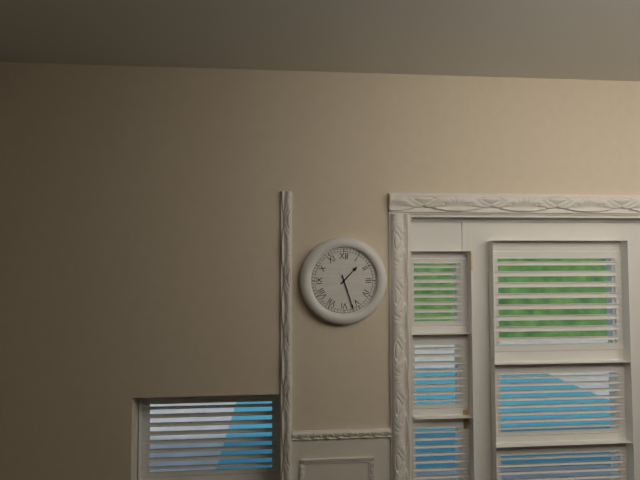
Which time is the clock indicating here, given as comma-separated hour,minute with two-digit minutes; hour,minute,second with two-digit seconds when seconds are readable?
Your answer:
1,27
